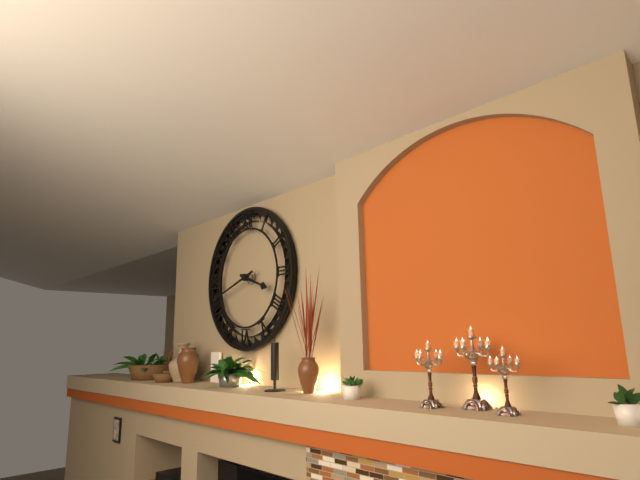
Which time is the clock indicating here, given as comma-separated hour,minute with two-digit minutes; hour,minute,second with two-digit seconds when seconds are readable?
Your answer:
3,42
